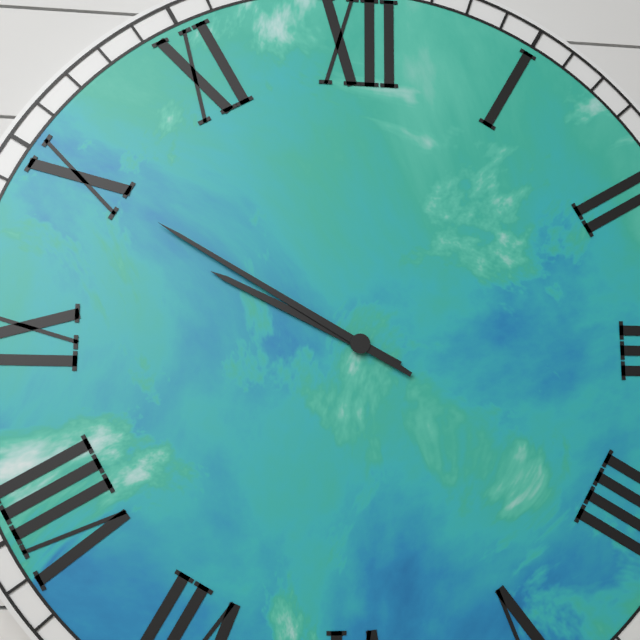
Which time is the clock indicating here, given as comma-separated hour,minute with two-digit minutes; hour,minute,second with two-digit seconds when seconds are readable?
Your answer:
9,50
